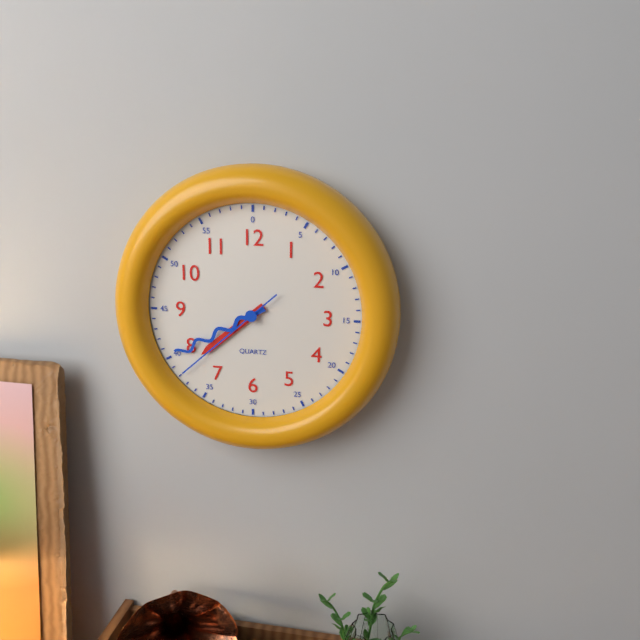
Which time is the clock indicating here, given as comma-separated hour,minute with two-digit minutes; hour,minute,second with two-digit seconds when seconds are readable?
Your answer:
7,40,38
